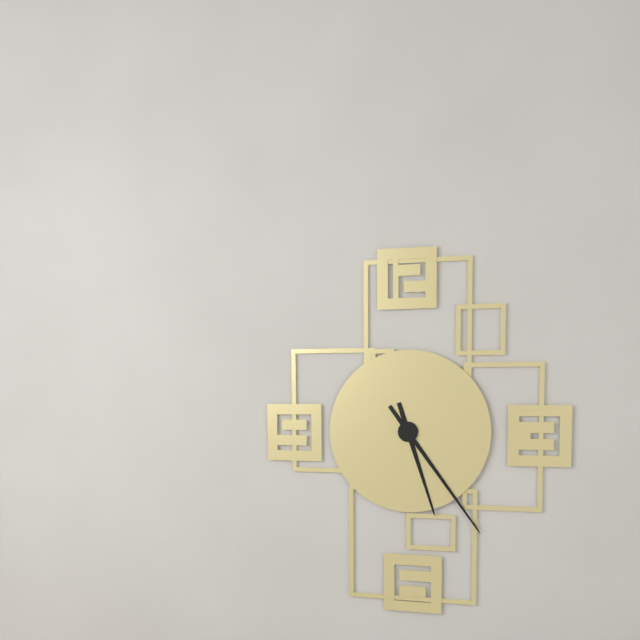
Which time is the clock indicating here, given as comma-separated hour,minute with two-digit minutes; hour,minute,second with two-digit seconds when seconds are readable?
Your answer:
5,24
